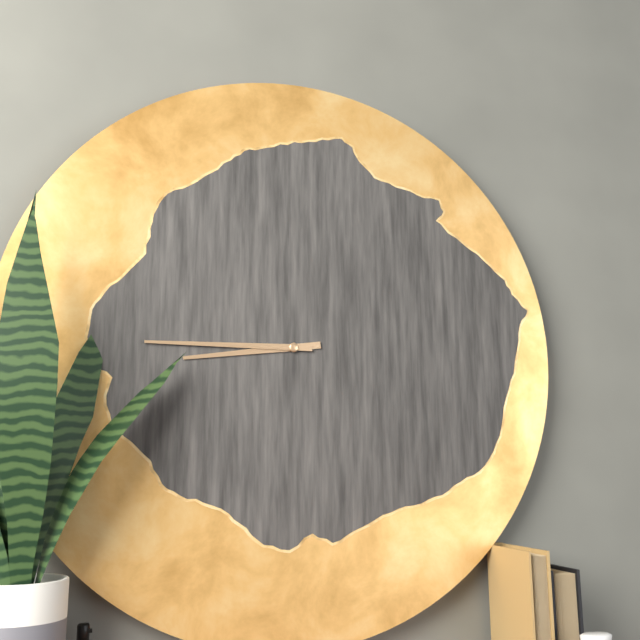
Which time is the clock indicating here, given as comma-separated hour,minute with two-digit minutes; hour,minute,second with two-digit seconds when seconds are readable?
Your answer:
8,45
